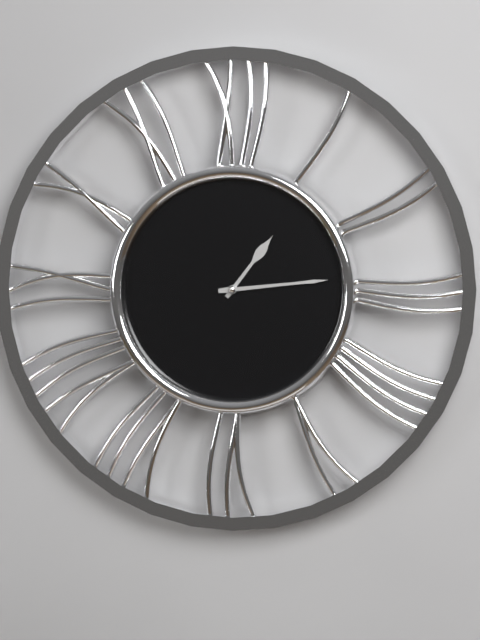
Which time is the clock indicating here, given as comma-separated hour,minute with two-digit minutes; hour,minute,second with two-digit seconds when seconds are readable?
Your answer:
1,14
